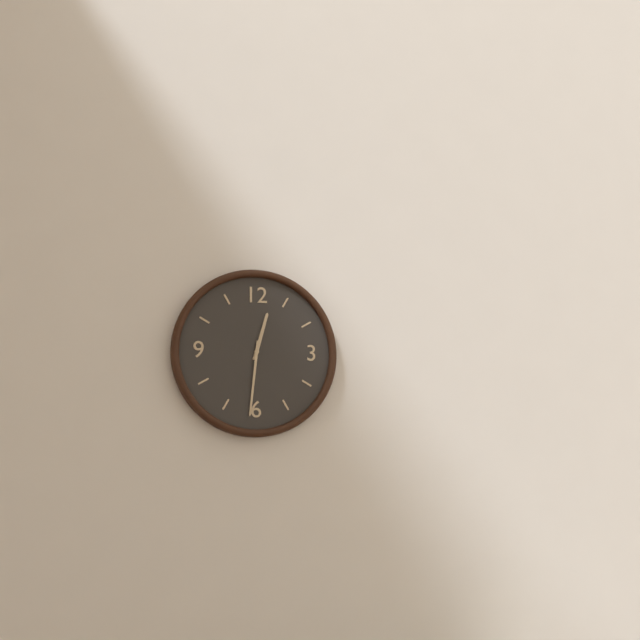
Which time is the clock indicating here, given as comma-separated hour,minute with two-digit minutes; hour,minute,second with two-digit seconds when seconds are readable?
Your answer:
12,31
